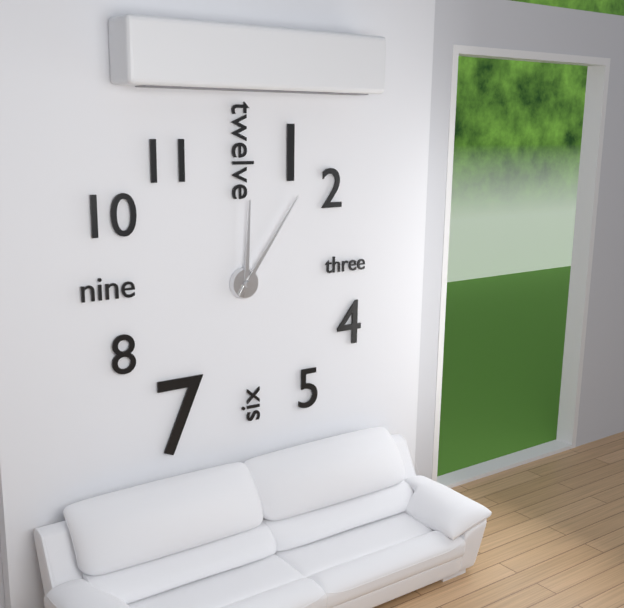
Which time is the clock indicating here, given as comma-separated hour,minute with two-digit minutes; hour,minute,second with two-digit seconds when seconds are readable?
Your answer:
12,06
